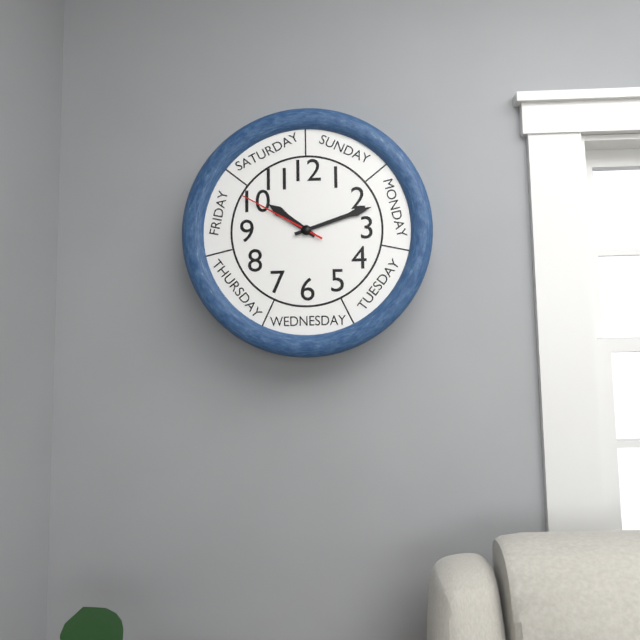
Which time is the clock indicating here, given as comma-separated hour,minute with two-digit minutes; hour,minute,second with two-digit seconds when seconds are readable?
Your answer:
10,12,50
